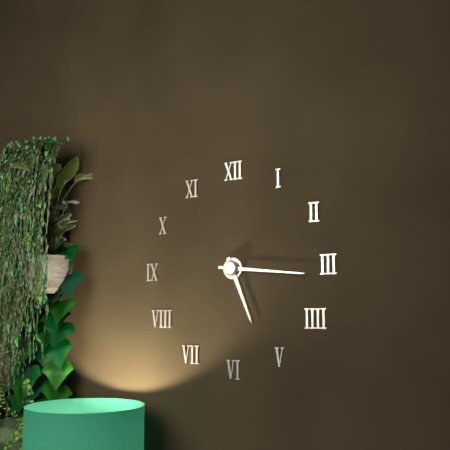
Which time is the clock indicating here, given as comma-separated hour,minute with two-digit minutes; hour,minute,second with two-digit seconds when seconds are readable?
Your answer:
5,16
